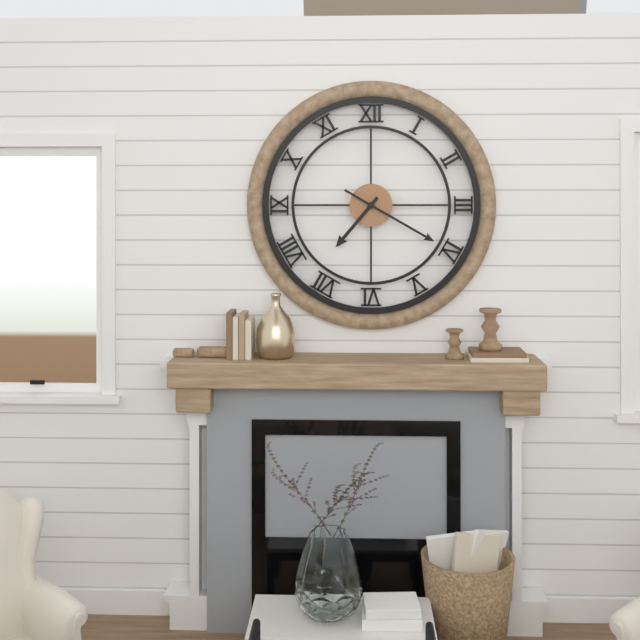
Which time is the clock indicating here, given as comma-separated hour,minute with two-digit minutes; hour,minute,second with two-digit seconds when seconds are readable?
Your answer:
7,20
